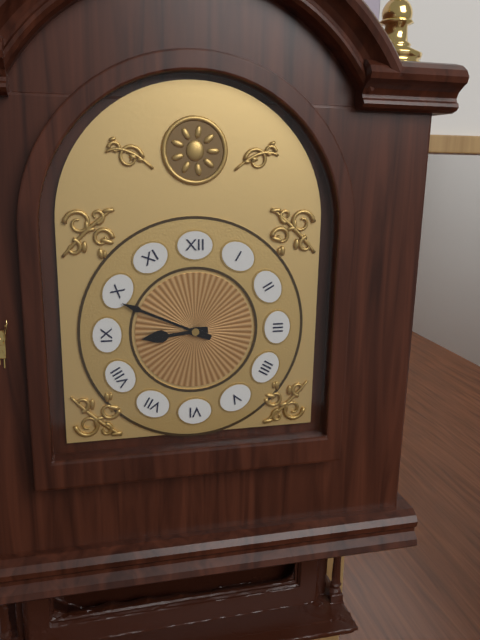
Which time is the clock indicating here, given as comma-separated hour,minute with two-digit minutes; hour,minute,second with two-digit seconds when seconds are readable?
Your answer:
8,49
